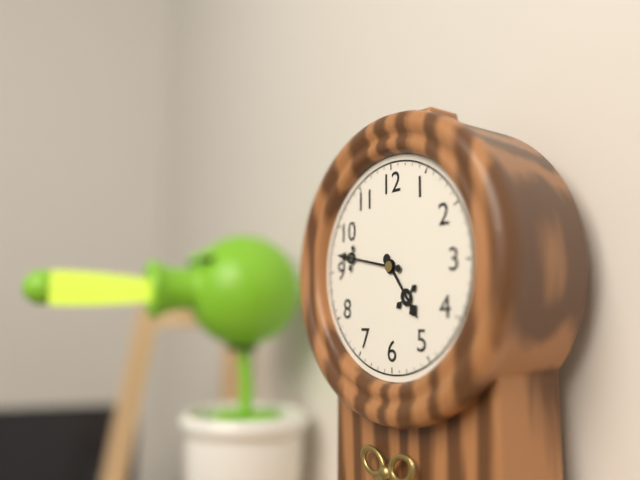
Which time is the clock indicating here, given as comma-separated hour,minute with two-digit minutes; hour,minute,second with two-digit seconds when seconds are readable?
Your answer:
4,47
